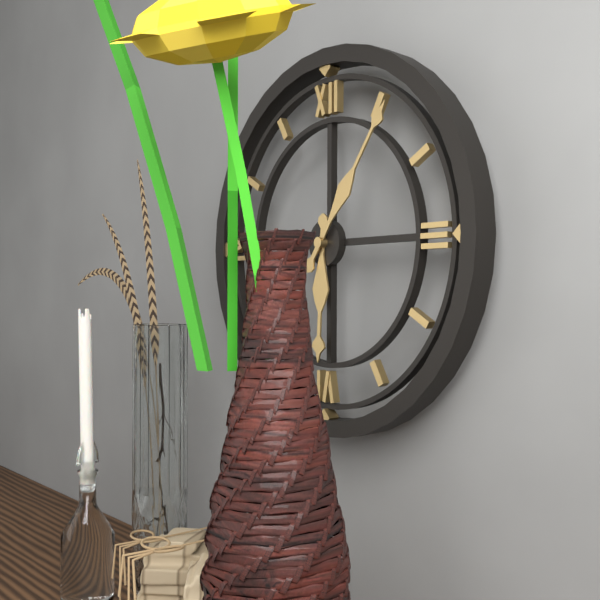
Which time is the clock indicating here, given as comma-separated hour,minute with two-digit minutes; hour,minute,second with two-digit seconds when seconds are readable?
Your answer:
6,06
